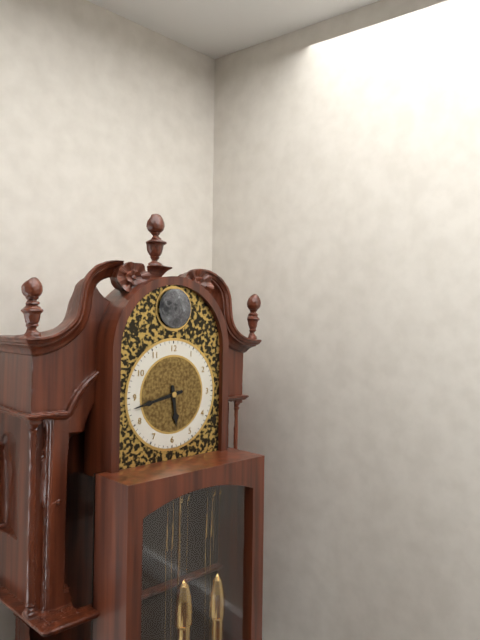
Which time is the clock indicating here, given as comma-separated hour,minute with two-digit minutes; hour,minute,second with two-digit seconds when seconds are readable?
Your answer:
5,43
